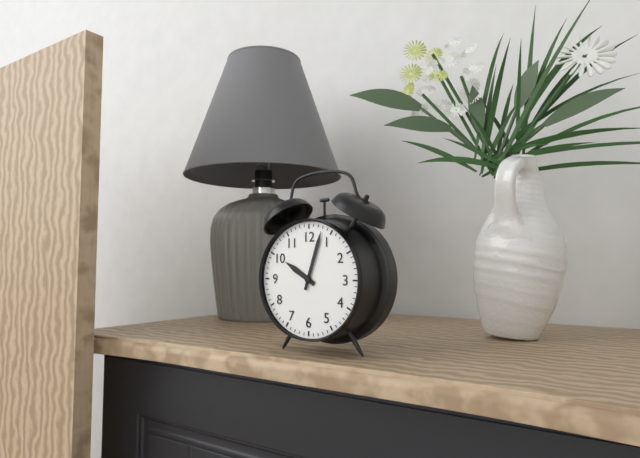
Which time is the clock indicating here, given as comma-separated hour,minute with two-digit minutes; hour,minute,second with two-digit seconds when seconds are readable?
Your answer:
10,03
